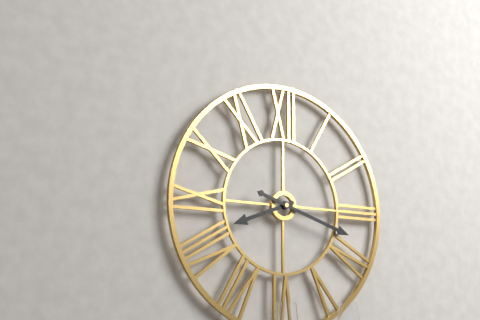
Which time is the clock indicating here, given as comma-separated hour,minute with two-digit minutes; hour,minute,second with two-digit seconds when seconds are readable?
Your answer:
8,18
